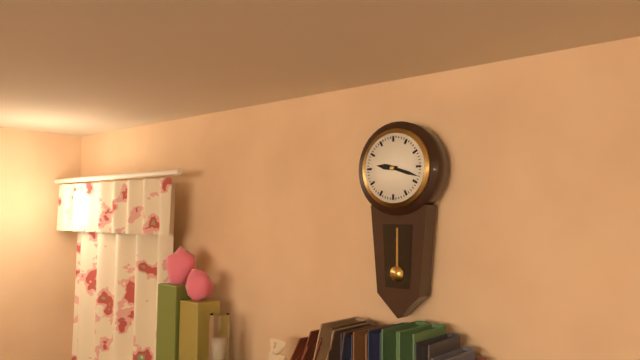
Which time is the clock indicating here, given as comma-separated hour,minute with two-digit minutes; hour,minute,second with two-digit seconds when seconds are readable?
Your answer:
9,18
